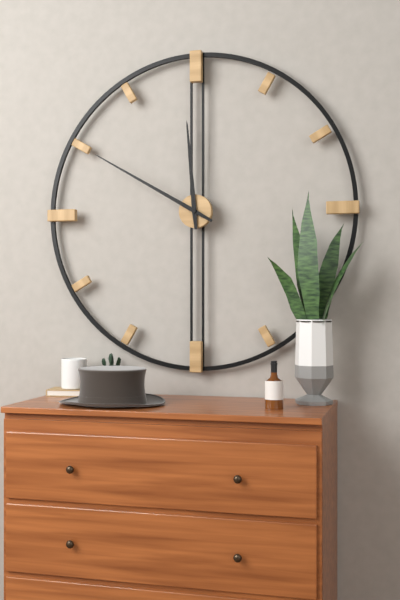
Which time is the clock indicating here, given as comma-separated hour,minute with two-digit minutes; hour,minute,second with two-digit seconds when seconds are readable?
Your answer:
11,50
